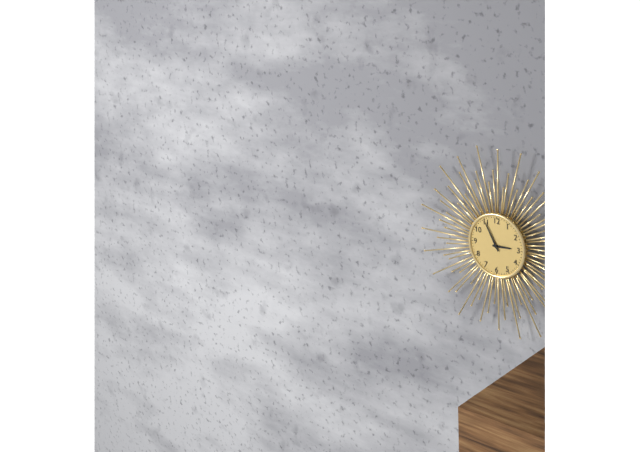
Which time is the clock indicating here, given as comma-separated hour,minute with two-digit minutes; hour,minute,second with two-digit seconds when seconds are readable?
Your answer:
2,55
